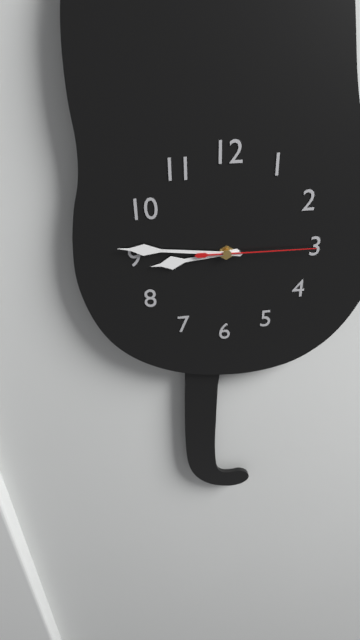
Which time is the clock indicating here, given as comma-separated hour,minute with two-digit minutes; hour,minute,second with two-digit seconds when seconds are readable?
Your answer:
8,46,15
